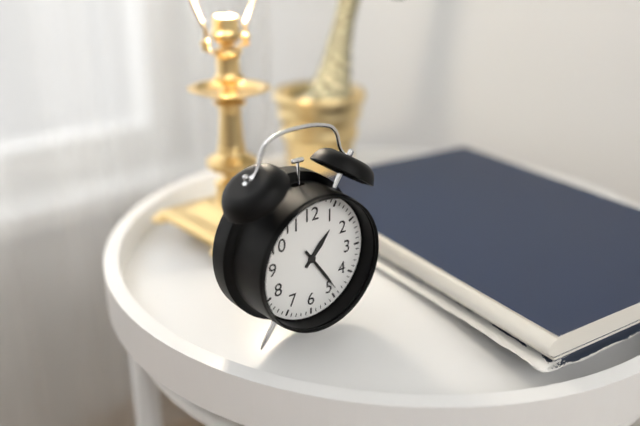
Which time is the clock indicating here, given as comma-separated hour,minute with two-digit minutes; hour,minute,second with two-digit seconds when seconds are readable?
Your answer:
1,24
